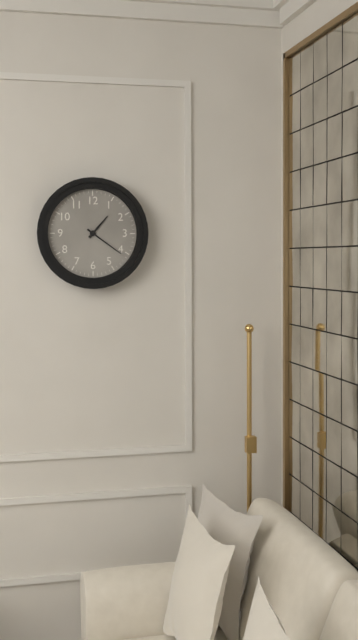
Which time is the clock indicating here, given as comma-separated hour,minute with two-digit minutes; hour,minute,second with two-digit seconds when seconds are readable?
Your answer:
1,21
